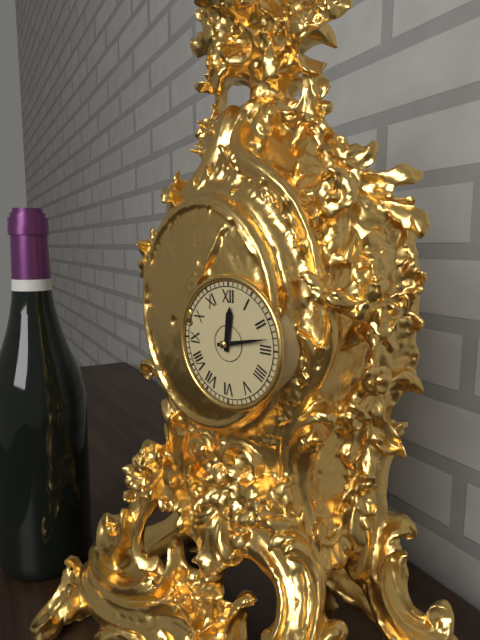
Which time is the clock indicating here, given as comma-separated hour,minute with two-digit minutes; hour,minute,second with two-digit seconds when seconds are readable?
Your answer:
12,13
